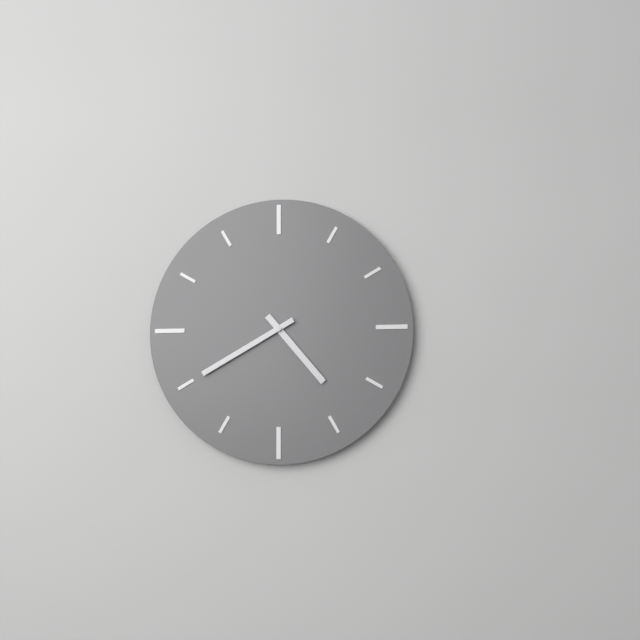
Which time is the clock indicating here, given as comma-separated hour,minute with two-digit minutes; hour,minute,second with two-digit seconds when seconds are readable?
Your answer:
4,40
